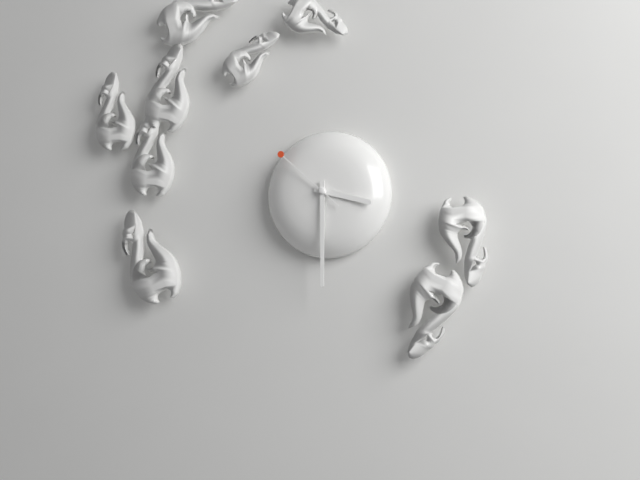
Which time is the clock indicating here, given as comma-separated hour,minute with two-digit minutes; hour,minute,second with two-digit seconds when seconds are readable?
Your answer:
3,30,52
